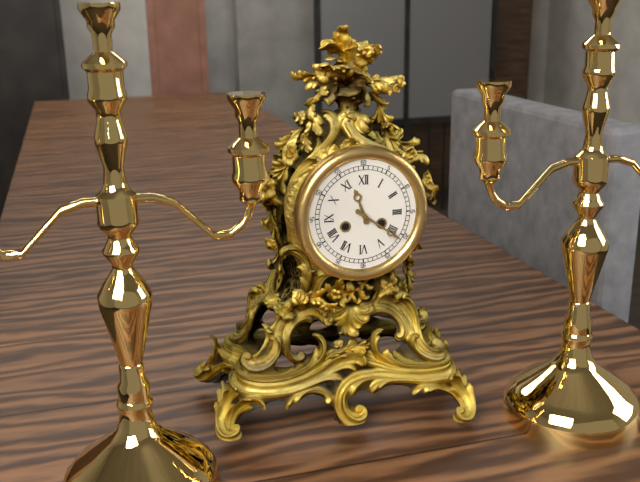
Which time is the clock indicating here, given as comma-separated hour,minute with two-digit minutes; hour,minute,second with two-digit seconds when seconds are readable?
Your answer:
11,21
